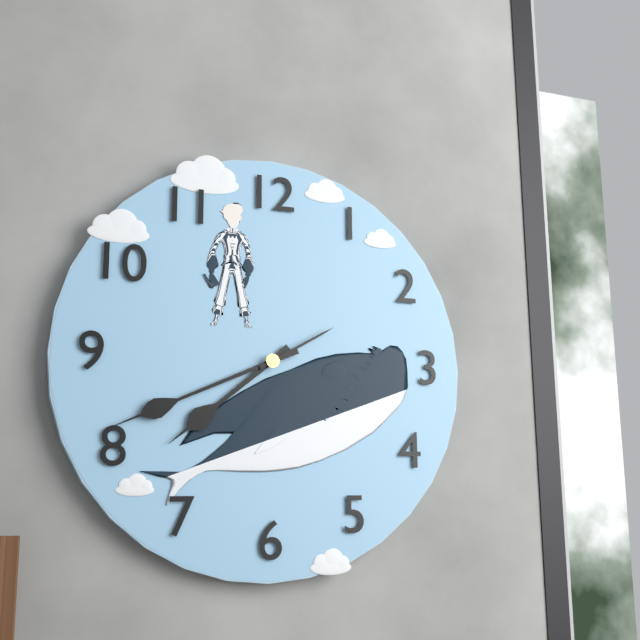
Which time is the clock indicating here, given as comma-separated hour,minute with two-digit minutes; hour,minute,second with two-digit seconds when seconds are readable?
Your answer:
7,41,10
